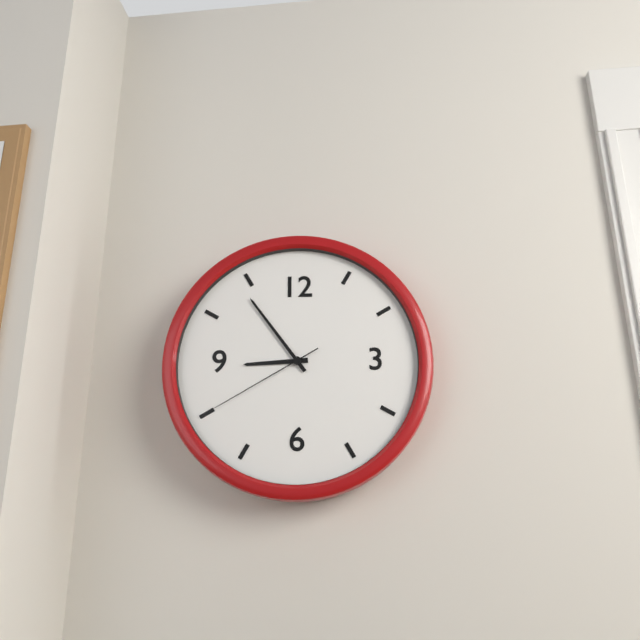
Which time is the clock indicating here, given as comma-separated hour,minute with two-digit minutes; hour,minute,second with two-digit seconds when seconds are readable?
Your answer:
8,54,40
